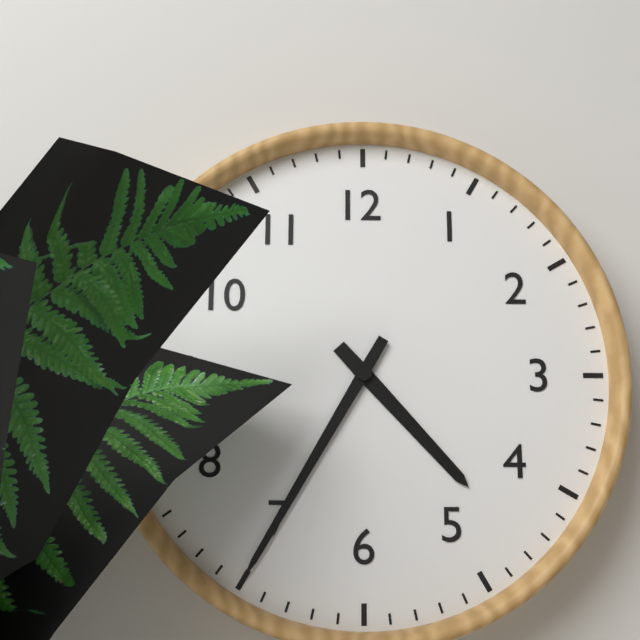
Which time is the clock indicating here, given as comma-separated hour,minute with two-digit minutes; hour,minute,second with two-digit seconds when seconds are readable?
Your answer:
4,35
